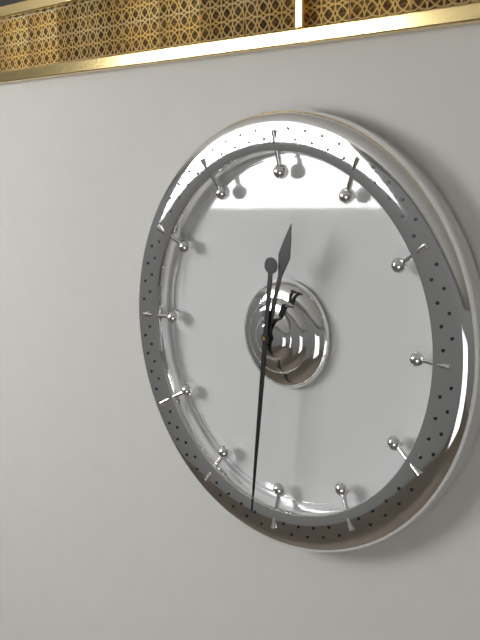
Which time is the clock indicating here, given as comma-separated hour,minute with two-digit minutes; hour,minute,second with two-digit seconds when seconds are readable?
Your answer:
12,31
